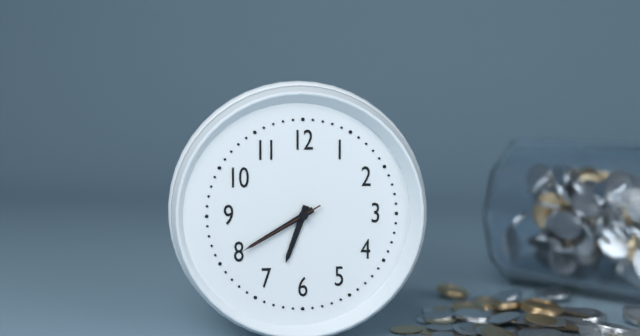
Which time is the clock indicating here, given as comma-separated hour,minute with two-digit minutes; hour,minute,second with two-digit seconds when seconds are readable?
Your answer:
6,40,40
